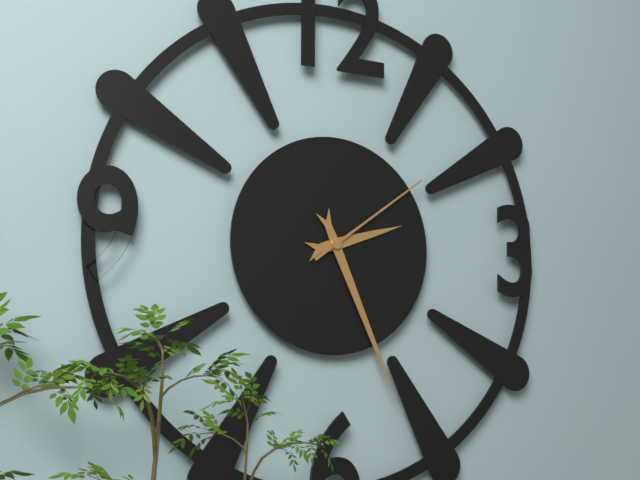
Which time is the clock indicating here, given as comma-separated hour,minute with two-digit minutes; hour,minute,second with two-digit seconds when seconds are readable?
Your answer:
2,26,09
